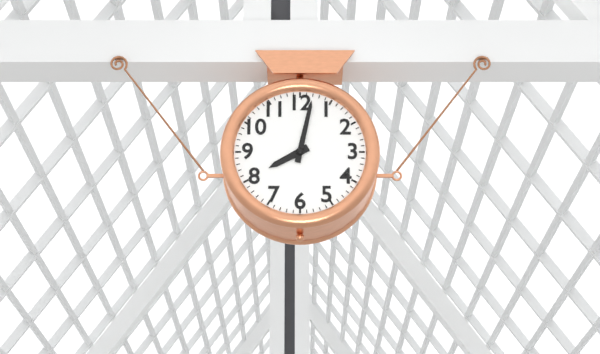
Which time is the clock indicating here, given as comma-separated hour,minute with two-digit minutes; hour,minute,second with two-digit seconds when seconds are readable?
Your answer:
8,02
